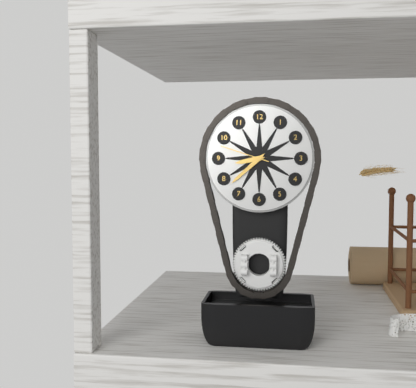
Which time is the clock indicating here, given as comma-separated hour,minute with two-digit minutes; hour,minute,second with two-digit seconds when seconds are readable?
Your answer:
8,38,48
